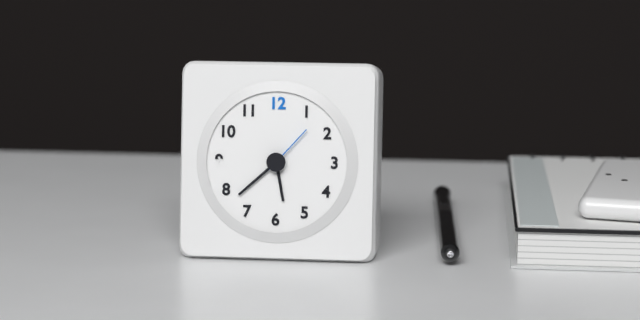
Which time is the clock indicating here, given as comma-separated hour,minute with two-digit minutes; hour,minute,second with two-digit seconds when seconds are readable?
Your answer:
5,38,07
